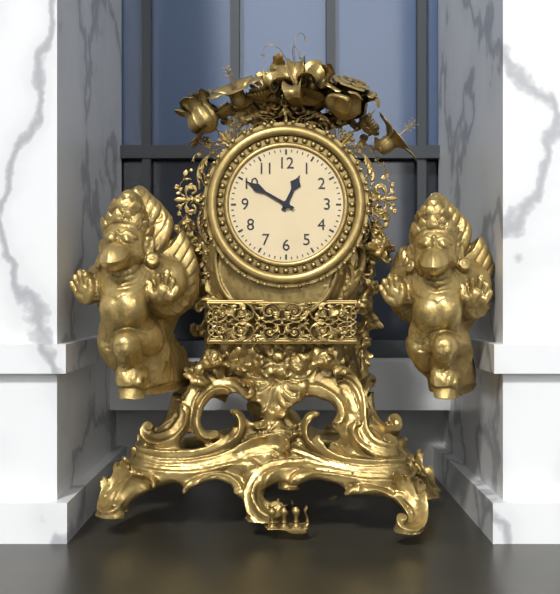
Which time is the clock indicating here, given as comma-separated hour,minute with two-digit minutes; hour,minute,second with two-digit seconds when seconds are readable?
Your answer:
12,50
